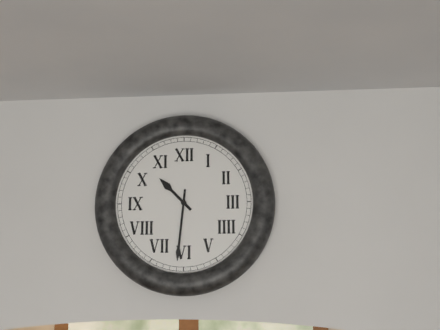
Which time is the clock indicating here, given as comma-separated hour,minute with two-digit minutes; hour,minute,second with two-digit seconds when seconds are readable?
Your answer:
10,31
